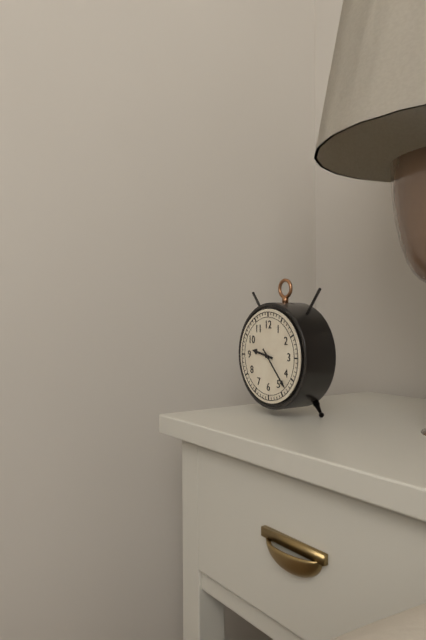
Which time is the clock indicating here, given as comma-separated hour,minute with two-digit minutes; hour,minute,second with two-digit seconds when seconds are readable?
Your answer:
9,23
